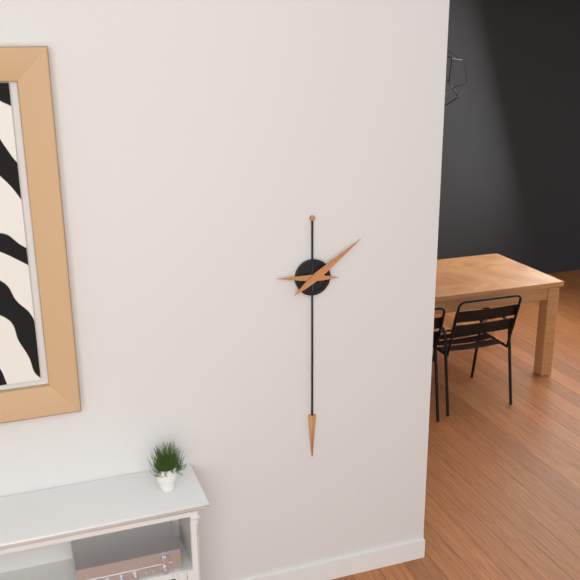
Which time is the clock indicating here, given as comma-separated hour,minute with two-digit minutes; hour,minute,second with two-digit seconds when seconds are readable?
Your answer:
9,09
